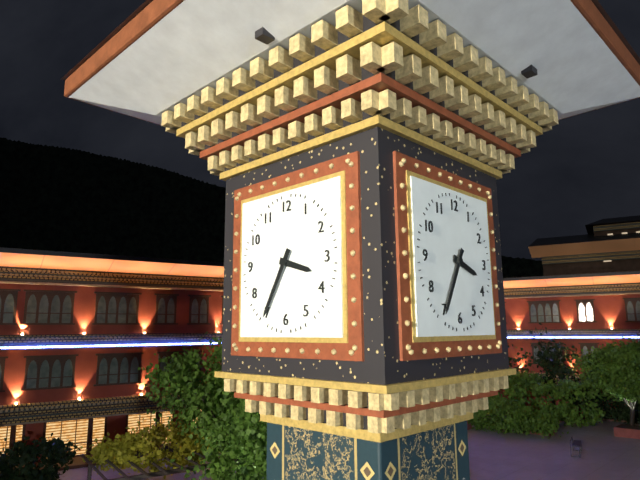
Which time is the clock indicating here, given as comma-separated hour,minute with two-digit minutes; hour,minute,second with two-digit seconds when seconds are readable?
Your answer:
3,35
